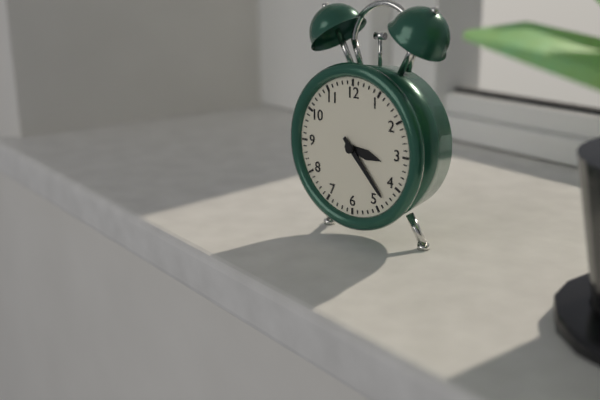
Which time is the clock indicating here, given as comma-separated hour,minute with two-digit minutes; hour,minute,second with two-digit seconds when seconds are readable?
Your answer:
3,23
